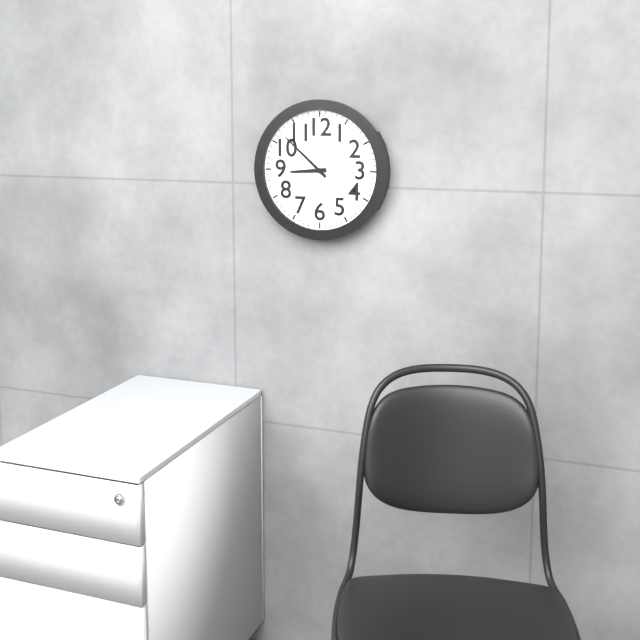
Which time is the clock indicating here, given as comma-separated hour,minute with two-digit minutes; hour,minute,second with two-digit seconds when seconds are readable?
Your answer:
8,52
